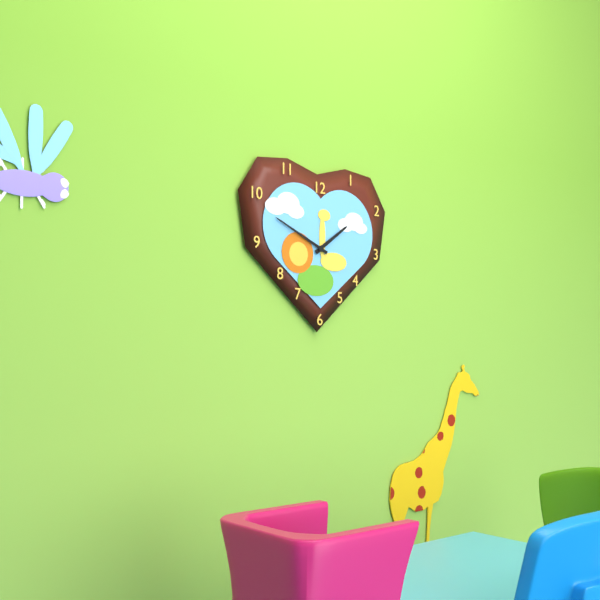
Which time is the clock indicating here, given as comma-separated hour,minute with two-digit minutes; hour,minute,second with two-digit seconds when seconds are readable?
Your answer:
1,49
